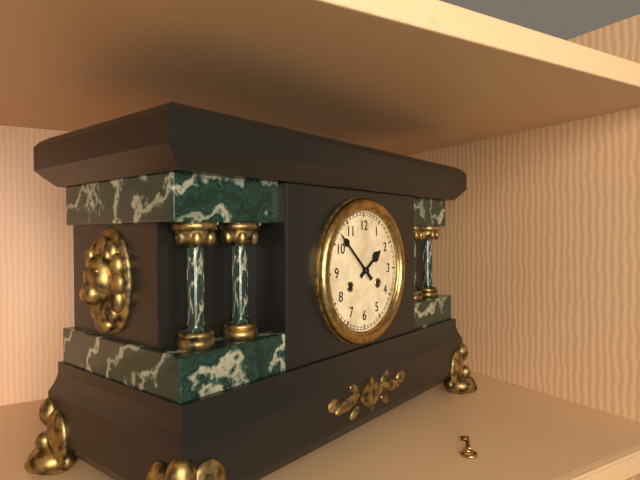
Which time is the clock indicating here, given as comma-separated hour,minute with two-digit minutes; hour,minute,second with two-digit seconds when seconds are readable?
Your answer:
1,52
